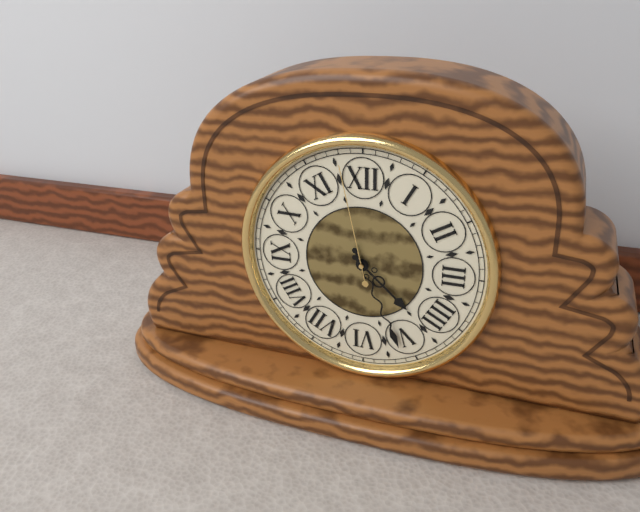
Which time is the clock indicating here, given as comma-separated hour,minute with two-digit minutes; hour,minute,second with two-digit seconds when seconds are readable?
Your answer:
4,26,58
